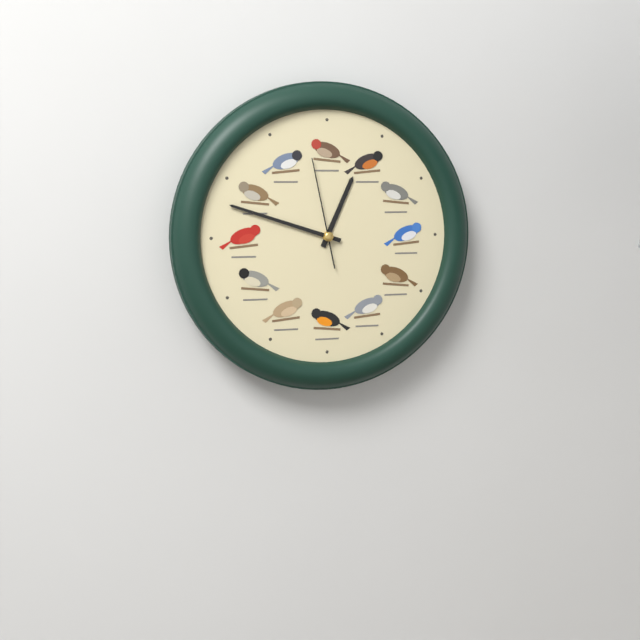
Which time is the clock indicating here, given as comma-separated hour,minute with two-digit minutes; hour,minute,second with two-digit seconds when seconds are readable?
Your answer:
12,48,58
